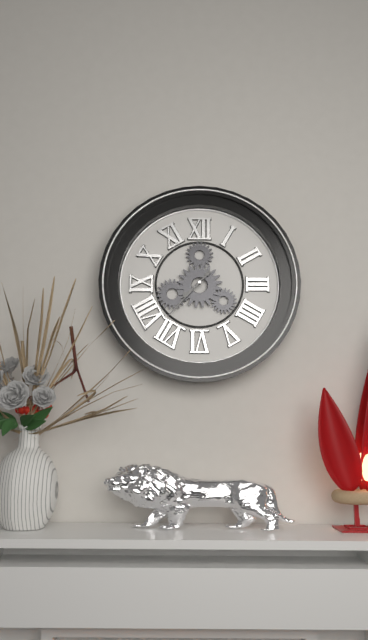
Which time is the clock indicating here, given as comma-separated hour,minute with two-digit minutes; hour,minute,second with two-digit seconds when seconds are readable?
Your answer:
7,37
